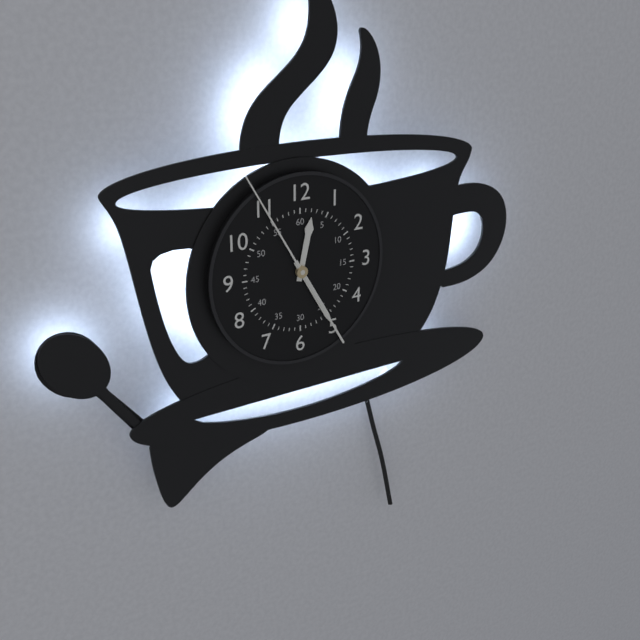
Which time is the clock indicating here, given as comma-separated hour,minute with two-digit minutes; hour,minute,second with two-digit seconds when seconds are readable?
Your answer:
12,25,55
